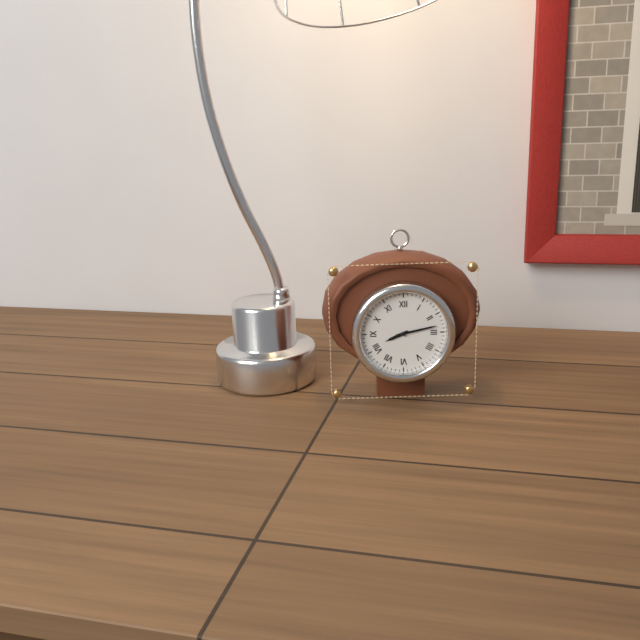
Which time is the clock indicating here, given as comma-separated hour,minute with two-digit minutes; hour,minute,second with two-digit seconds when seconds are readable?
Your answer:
8,13
